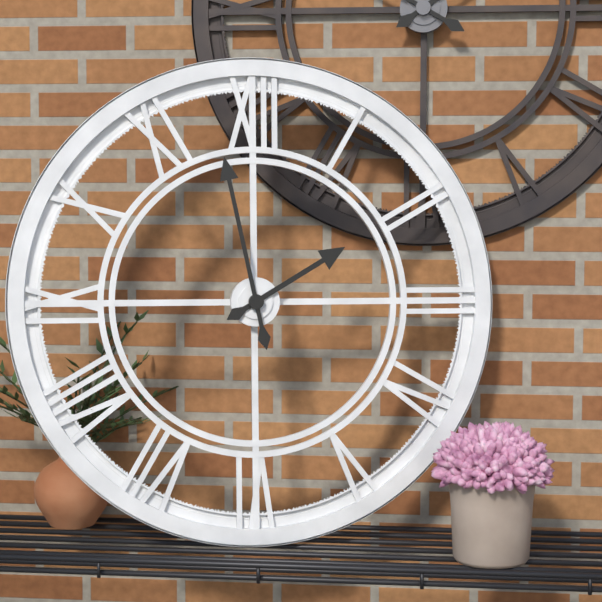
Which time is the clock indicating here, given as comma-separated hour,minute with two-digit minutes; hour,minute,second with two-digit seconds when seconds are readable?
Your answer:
1,58
